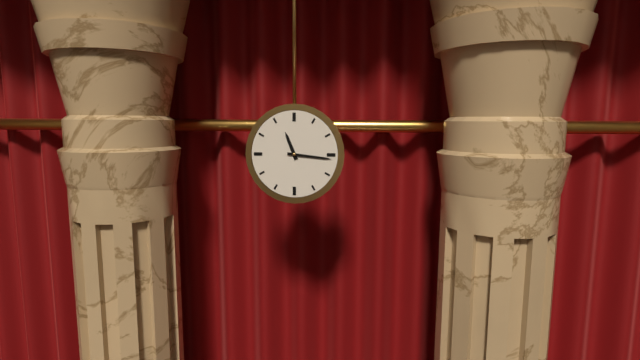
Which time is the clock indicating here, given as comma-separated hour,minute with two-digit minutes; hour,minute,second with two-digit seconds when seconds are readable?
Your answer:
11,16
